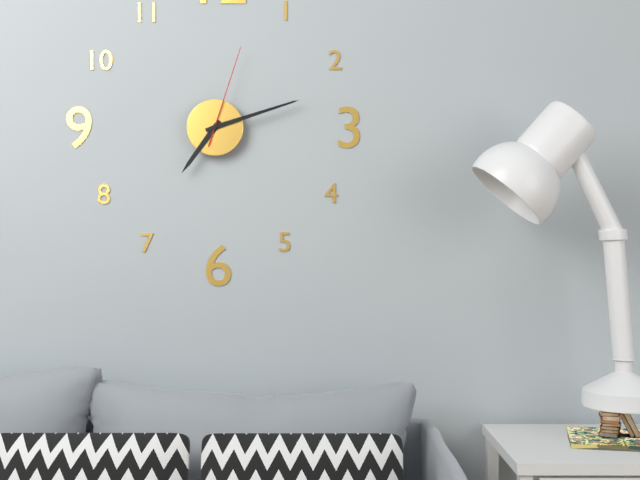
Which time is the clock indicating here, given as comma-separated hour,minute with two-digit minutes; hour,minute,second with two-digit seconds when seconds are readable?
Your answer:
7,12,03
